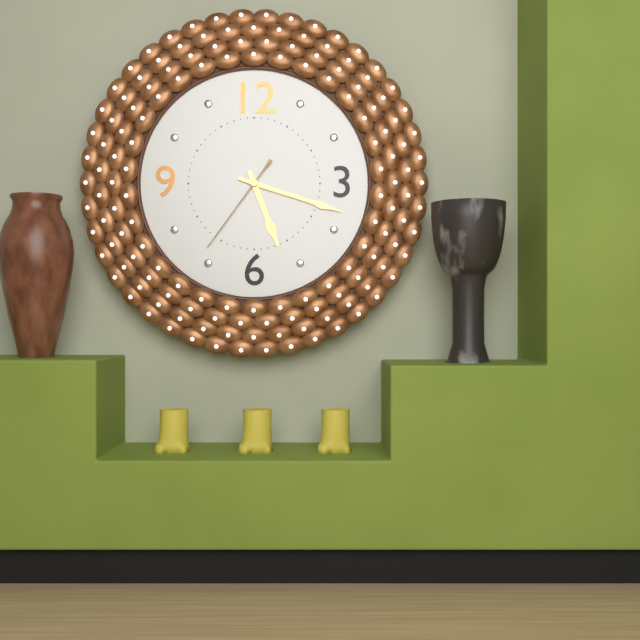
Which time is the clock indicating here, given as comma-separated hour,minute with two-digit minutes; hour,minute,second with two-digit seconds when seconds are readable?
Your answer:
5,18,36
